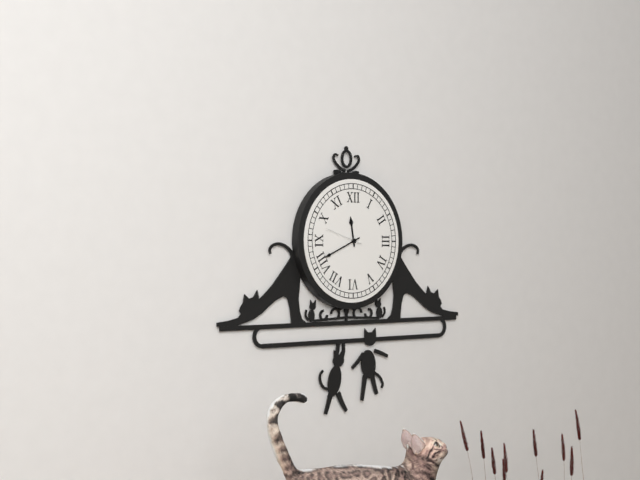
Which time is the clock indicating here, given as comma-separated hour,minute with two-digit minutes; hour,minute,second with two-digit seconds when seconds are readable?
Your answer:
11,41
